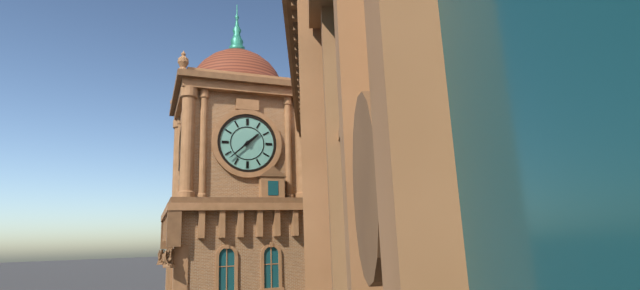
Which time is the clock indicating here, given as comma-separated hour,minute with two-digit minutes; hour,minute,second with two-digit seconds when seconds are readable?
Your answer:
1,38
